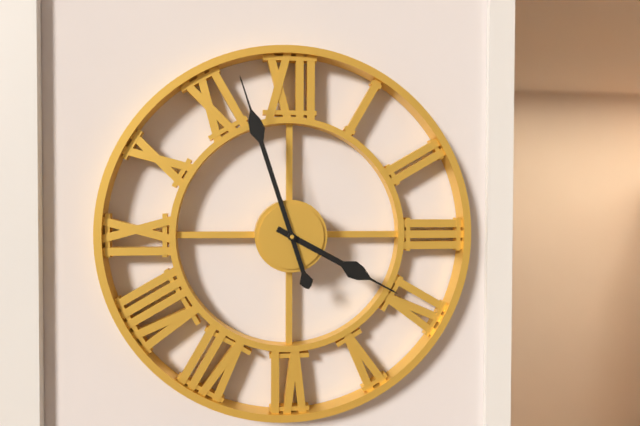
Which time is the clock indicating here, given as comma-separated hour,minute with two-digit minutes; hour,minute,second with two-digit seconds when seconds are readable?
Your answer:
3,57
